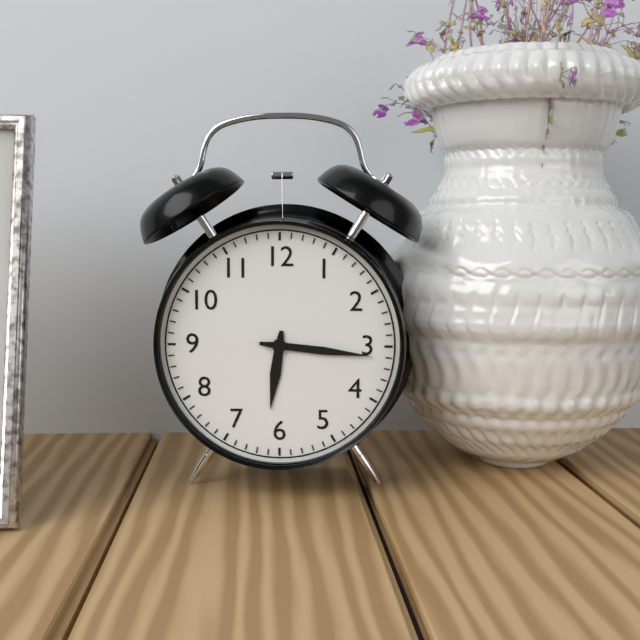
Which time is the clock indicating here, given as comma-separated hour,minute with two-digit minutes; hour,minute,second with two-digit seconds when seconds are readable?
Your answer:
6,16
